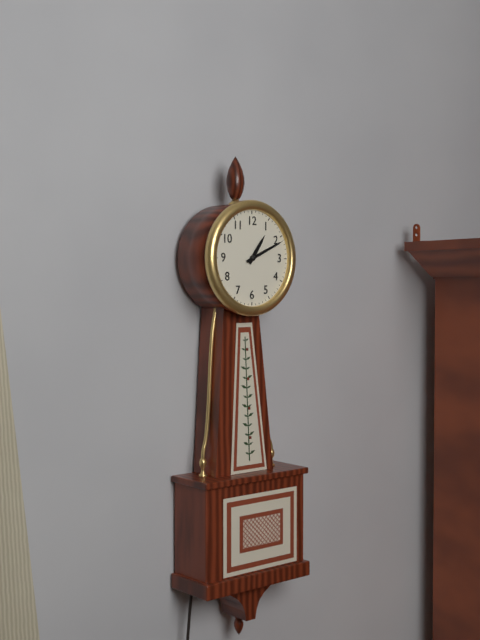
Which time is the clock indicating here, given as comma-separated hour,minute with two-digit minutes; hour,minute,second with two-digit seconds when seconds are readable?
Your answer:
1,11
